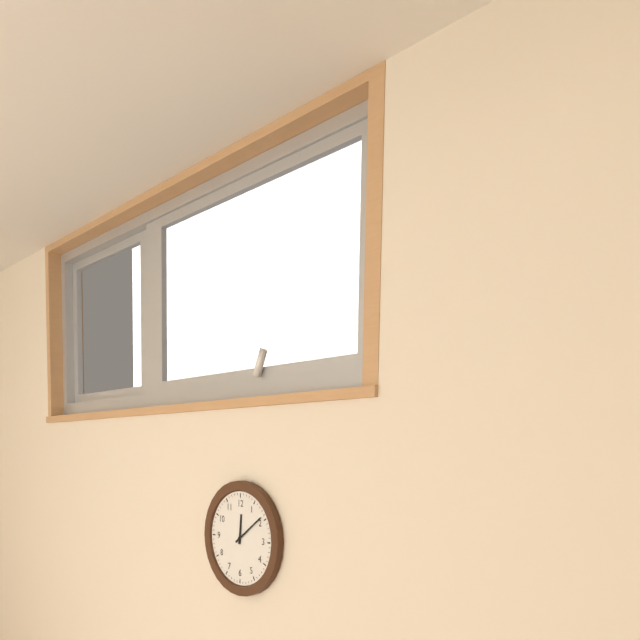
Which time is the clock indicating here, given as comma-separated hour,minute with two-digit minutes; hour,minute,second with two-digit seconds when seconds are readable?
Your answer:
12,09
